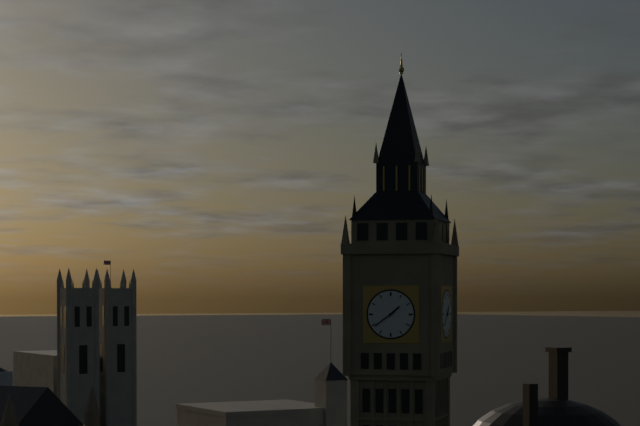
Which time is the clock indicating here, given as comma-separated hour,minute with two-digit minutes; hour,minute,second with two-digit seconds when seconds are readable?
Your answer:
1,39
